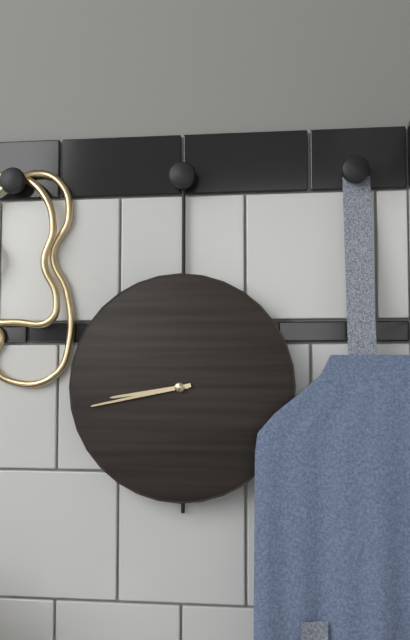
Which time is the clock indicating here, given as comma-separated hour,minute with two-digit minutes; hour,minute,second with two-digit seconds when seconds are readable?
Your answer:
8,43
